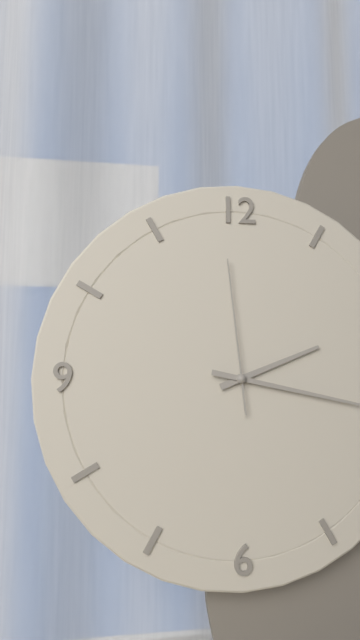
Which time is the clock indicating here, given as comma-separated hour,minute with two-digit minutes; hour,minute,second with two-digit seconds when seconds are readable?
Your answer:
2,17,59
